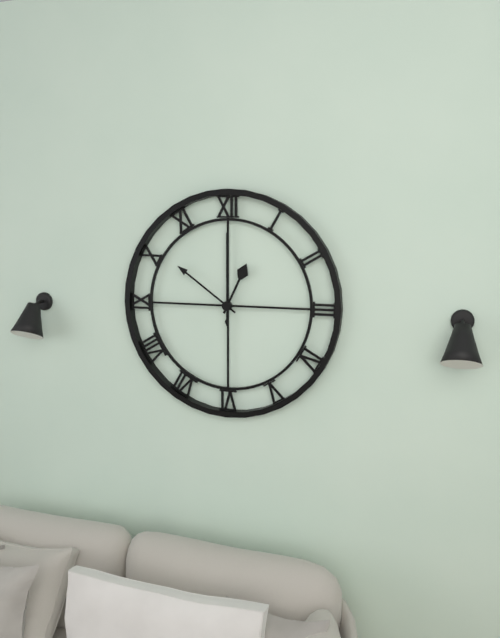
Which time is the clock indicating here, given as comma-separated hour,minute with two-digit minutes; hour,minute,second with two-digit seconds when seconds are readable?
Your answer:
12,51,00
